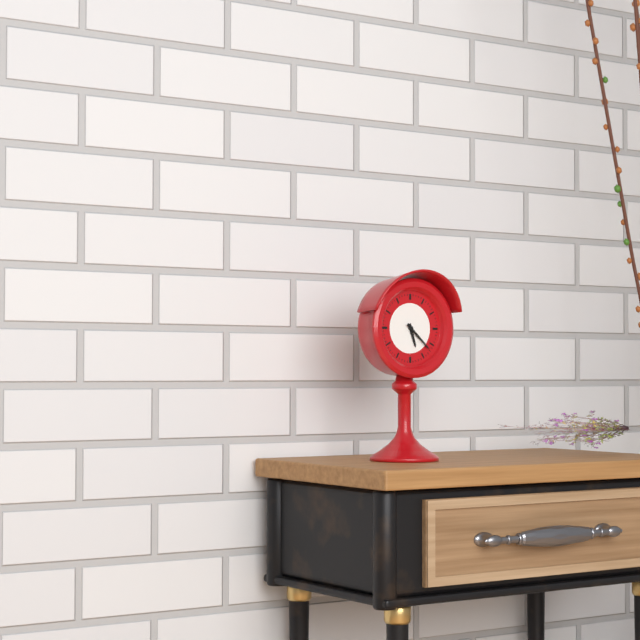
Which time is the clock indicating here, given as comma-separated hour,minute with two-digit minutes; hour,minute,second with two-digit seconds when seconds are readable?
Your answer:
5,22
